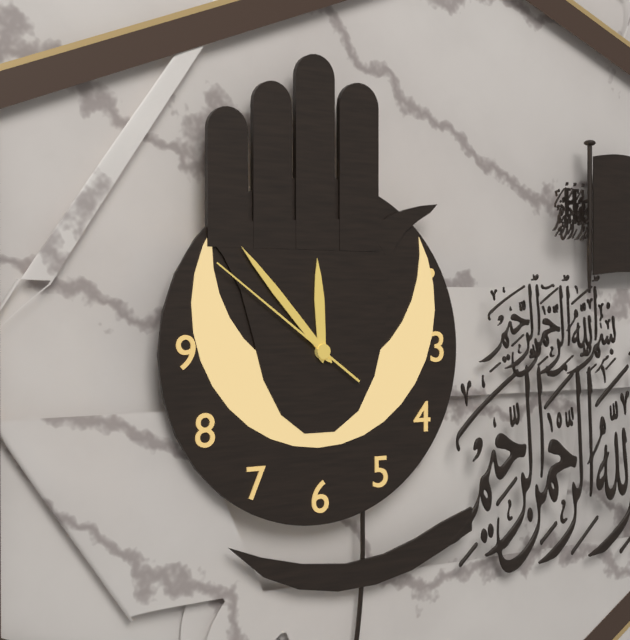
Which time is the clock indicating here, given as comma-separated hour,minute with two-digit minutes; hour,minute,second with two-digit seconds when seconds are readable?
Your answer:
11,53,51
